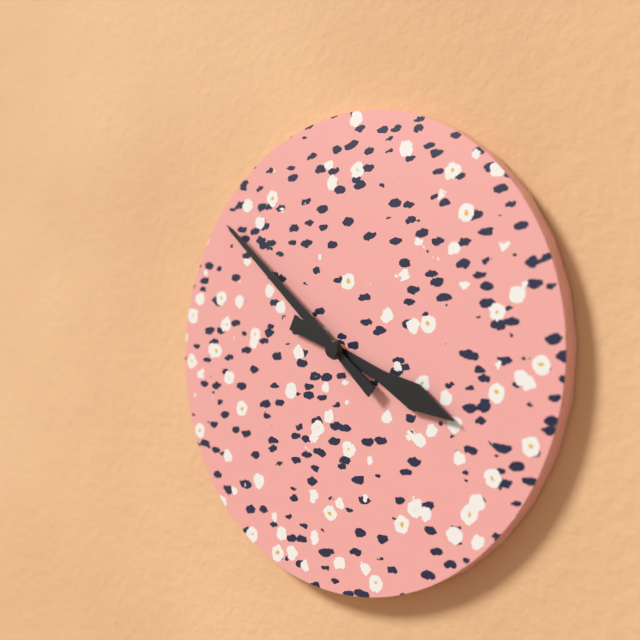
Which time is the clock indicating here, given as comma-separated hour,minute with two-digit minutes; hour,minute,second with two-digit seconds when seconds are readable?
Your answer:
3,52
